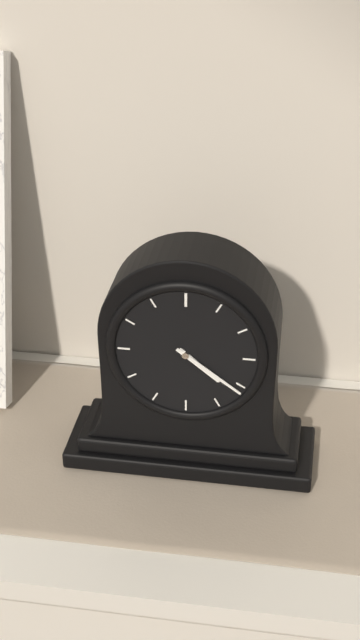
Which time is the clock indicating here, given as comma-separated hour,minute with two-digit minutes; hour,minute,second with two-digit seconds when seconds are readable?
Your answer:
4,21
